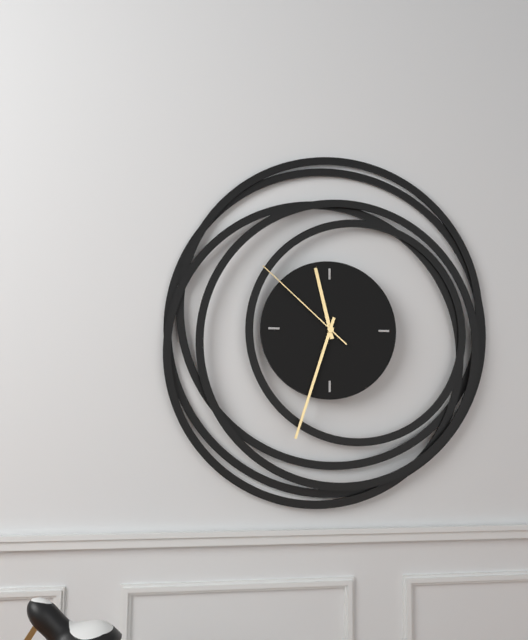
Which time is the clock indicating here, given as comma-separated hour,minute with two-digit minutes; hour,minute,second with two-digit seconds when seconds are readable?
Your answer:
11,33,52
